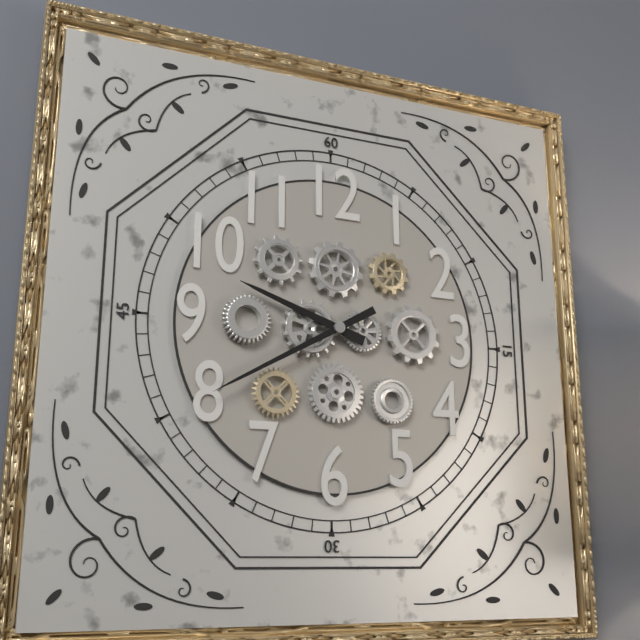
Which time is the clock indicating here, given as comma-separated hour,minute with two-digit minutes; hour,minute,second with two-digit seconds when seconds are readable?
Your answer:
9,40
